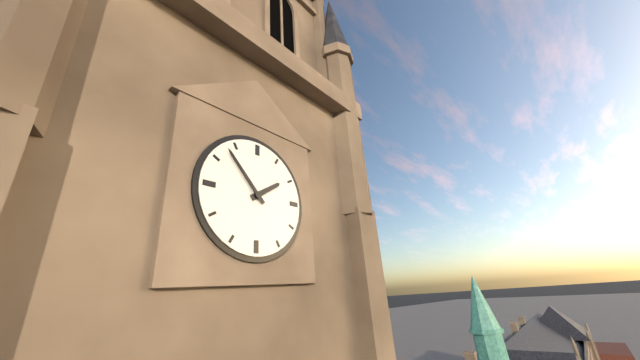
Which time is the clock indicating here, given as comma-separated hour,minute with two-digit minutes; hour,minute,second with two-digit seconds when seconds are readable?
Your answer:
1,53
